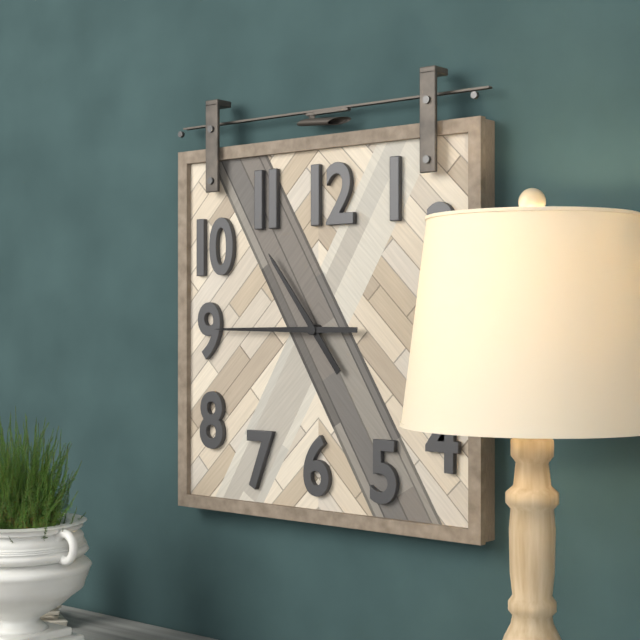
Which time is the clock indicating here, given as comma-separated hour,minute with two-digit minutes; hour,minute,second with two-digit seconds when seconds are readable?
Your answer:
10,45
